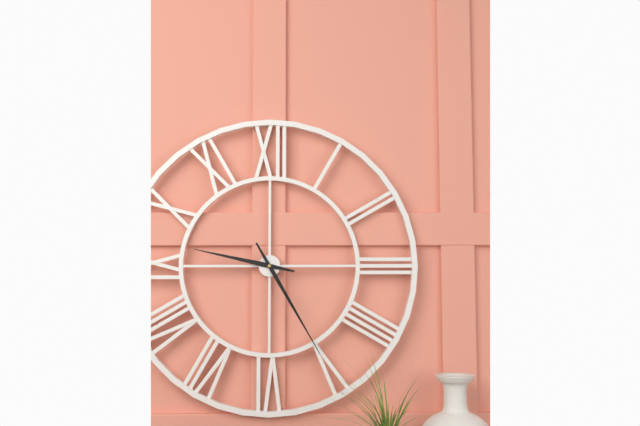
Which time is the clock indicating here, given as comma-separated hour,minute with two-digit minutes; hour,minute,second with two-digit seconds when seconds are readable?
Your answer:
9,25
